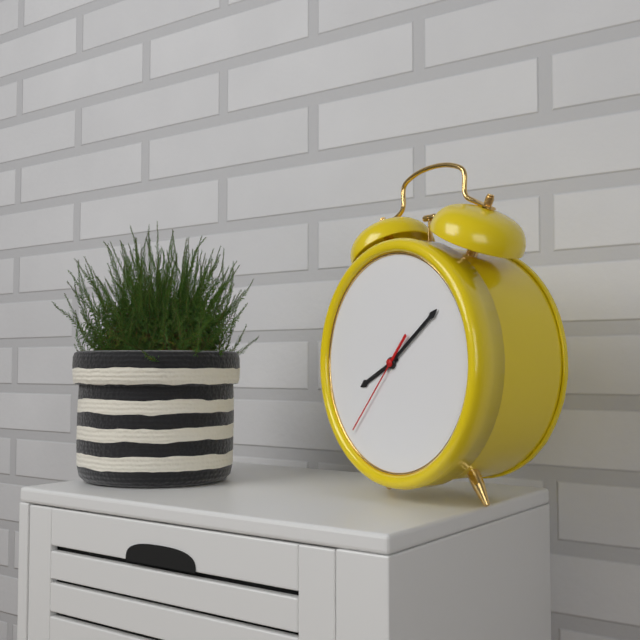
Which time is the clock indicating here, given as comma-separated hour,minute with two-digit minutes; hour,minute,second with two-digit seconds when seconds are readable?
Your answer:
8,09,37
